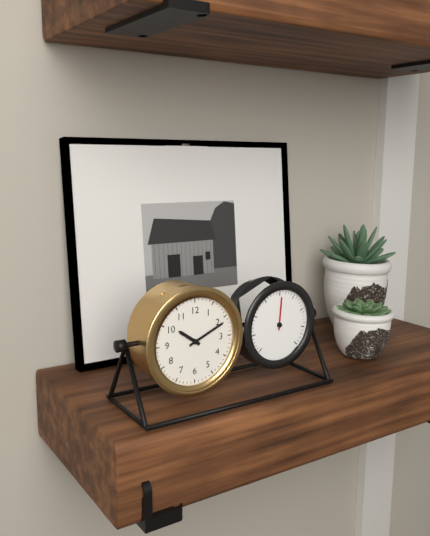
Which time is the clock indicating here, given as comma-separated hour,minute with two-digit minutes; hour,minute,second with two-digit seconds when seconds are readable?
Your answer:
10,11
